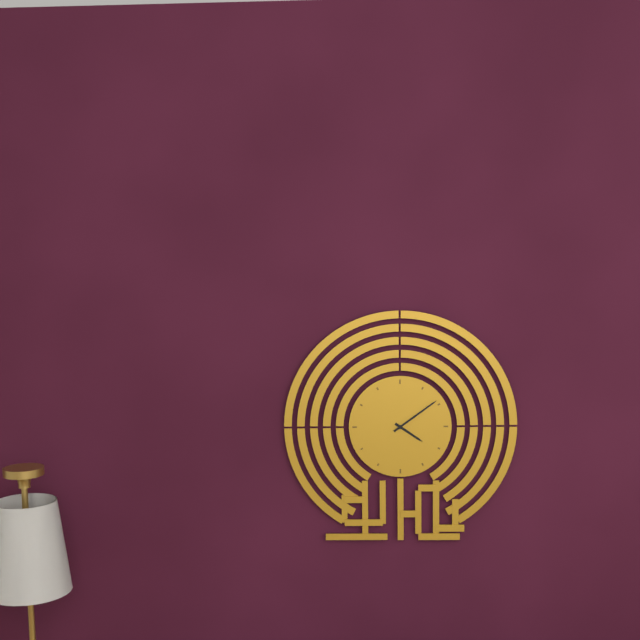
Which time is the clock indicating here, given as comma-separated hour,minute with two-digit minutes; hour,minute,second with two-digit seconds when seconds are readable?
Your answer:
4,09
